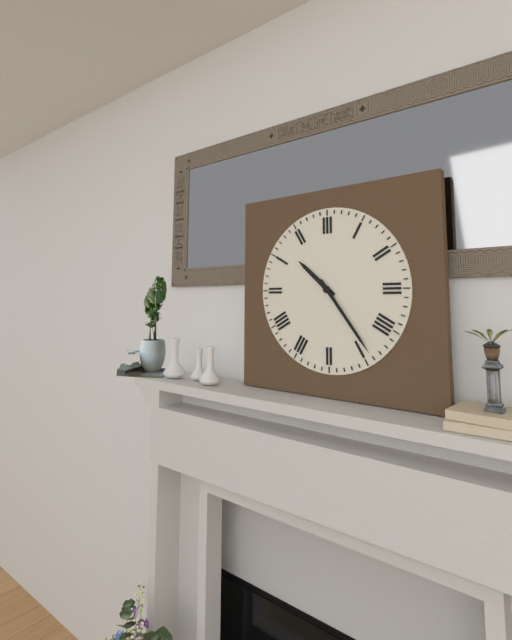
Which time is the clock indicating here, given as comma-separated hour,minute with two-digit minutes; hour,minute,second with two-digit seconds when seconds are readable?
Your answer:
10,24
